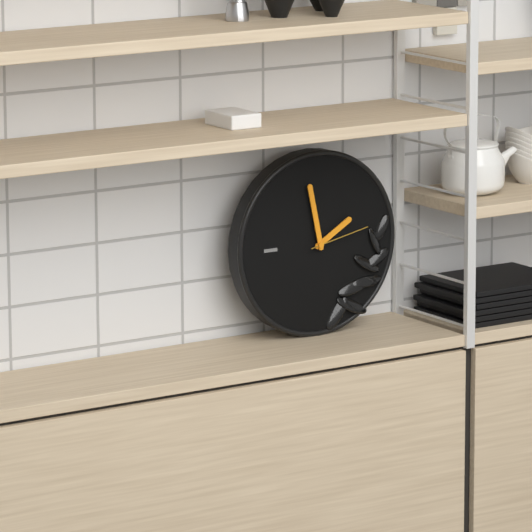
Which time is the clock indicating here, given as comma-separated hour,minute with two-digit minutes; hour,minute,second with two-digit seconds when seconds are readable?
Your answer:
1,58,13
